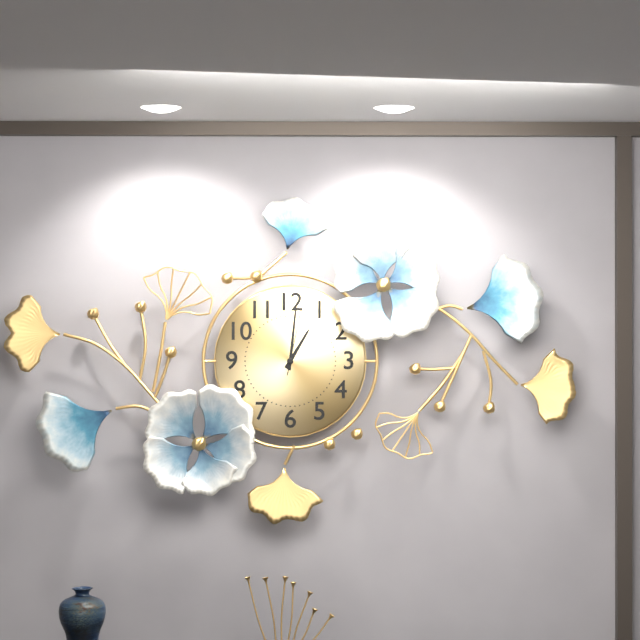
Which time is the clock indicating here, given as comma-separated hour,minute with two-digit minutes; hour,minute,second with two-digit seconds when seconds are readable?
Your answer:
1,01,02
